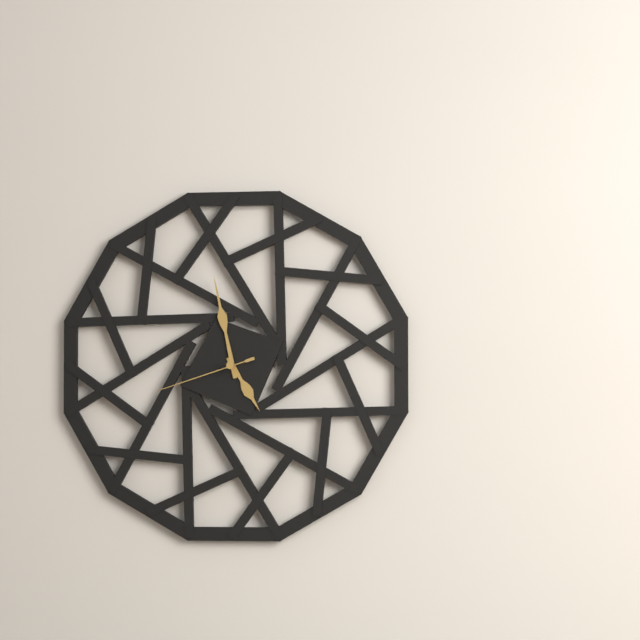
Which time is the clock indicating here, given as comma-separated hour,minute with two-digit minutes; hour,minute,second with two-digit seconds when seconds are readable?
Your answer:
4,58,42
